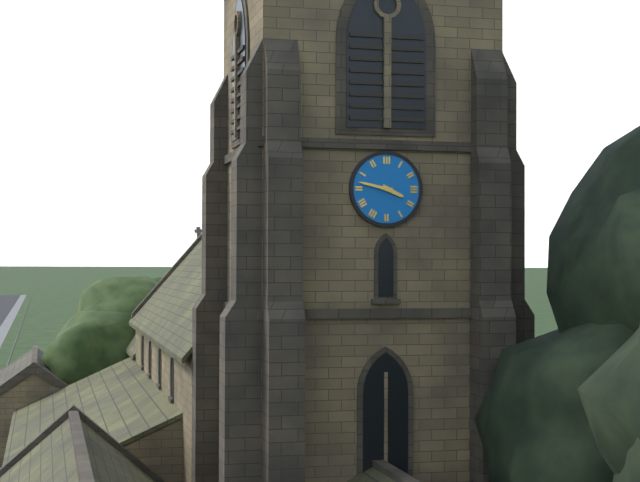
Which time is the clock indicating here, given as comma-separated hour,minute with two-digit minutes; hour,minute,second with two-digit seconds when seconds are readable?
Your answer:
3,47
